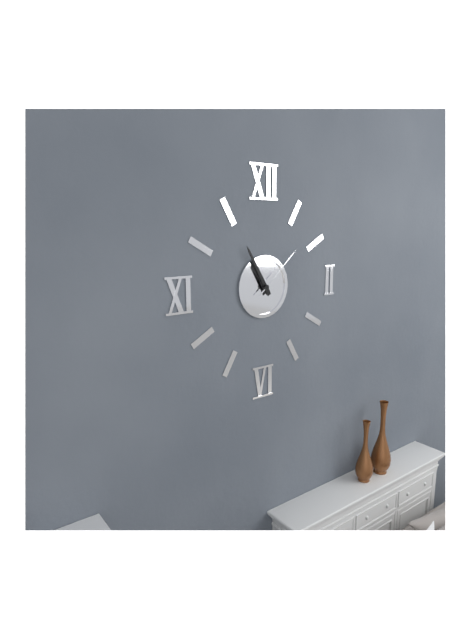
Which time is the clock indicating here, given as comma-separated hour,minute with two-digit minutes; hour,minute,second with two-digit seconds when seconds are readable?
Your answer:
10,55,08
